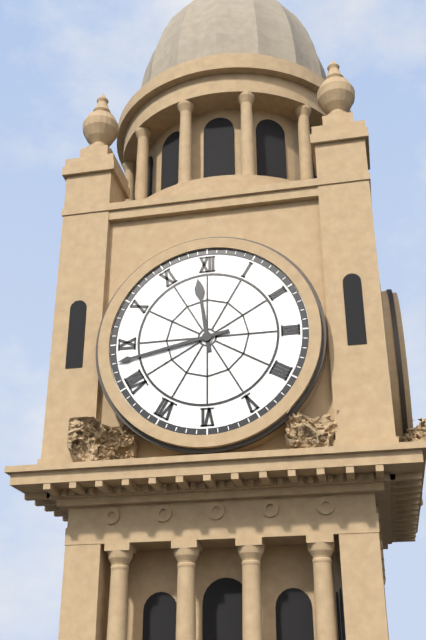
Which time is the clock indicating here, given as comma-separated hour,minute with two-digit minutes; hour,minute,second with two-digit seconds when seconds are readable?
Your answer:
11,43
